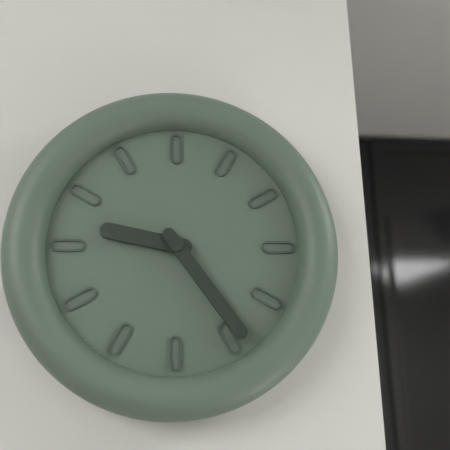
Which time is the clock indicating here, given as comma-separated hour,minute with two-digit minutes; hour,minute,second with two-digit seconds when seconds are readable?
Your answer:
9,24
